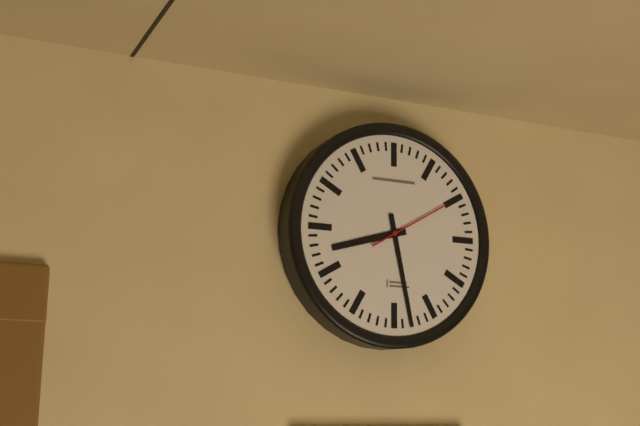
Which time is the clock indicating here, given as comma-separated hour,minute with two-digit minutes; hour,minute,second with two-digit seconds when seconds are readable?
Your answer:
8,28,10
